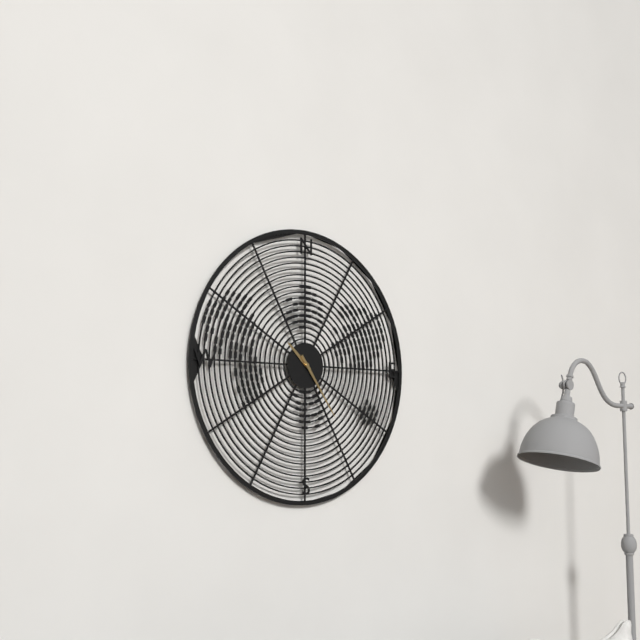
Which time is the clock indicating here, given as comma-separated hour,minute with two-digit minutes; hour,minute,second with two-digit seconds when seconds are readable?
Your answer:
10,24
